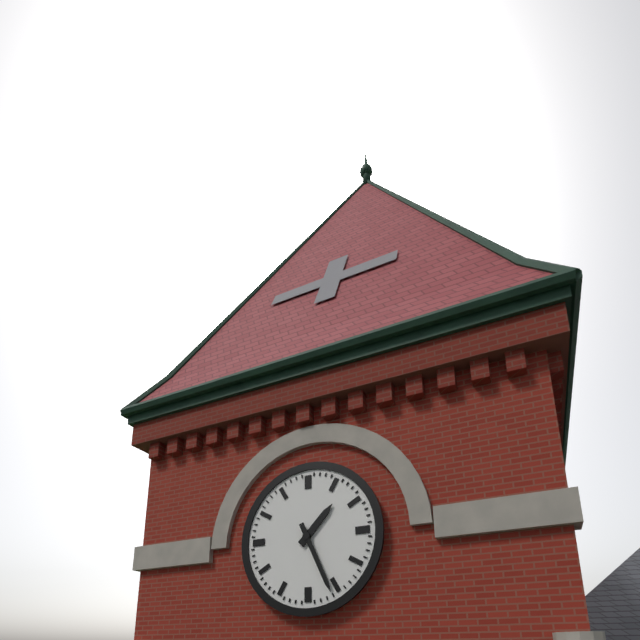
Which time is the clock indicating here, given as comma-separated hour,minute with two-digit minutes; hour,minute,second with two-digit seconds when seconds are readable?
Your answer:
1,26
